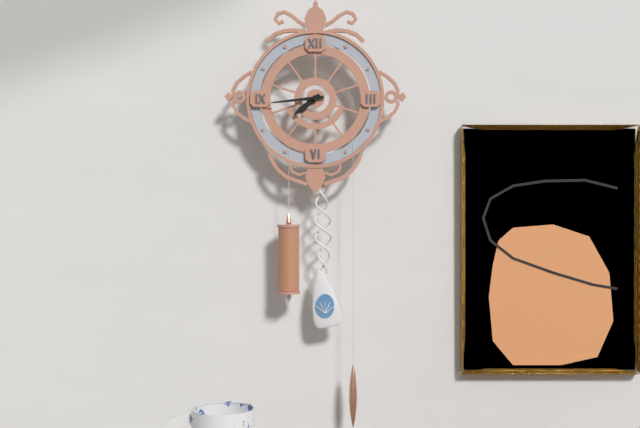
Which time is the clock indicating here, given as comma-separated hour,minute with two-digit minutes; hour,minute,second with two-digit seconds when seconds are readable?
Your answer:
7,44
